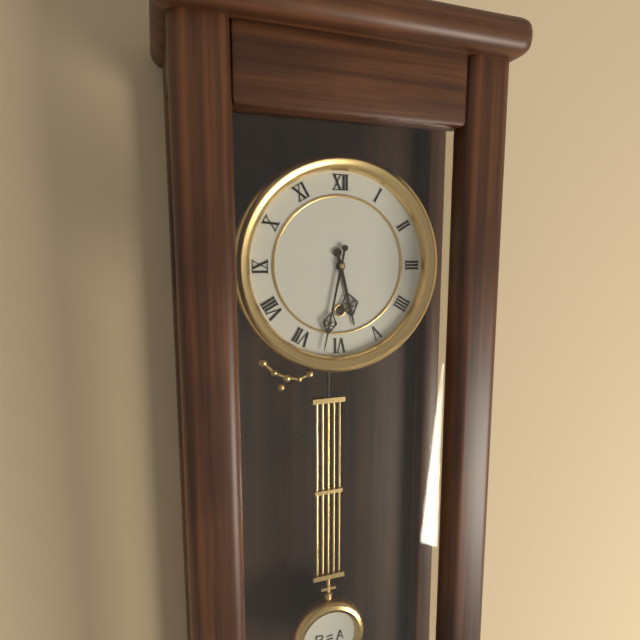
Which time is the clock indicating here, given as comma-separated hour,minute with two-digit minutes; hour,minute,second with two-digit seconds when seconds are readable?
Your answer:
5,32
